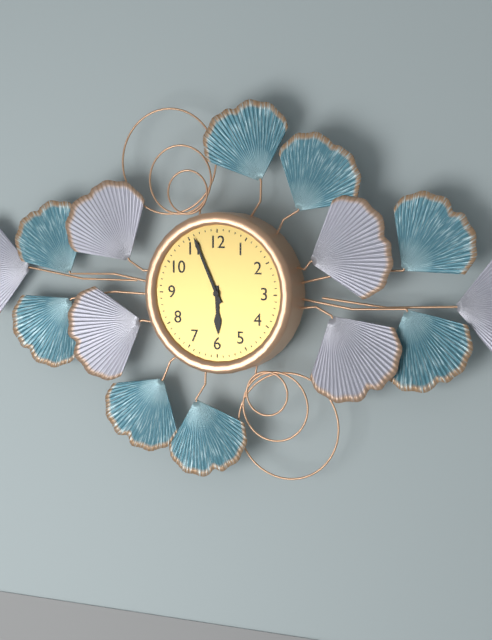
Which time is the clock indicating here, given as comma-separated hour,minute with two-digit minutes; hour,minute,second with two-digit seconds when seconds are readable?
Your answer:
5,56
